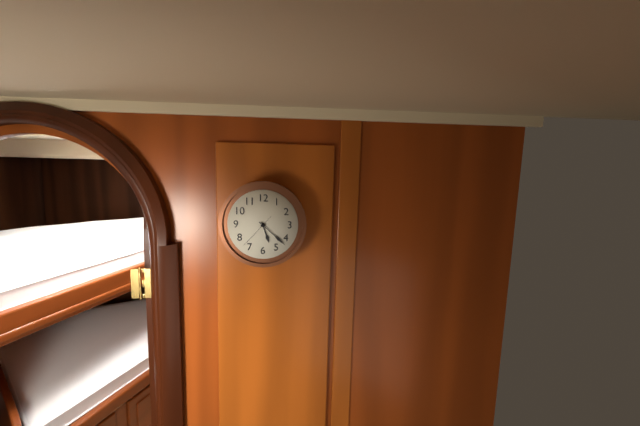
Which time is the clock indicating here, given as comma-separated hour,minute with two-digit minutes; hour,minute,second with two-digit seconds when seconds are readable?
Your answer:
5,22
